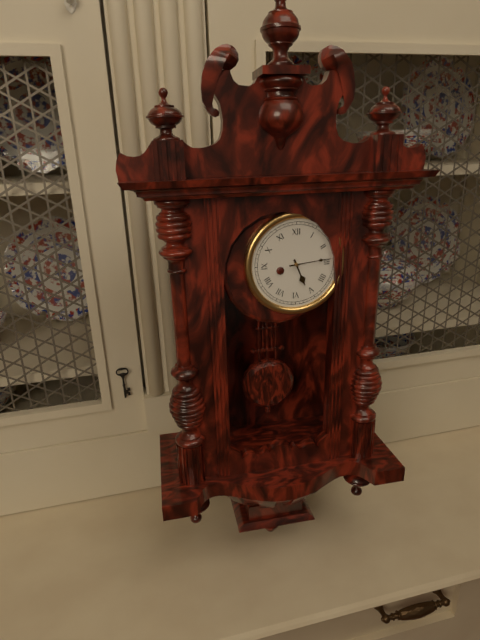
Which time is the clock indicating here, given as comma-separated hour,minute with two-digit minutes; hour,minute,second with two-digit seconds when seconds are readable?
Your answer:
5,14
